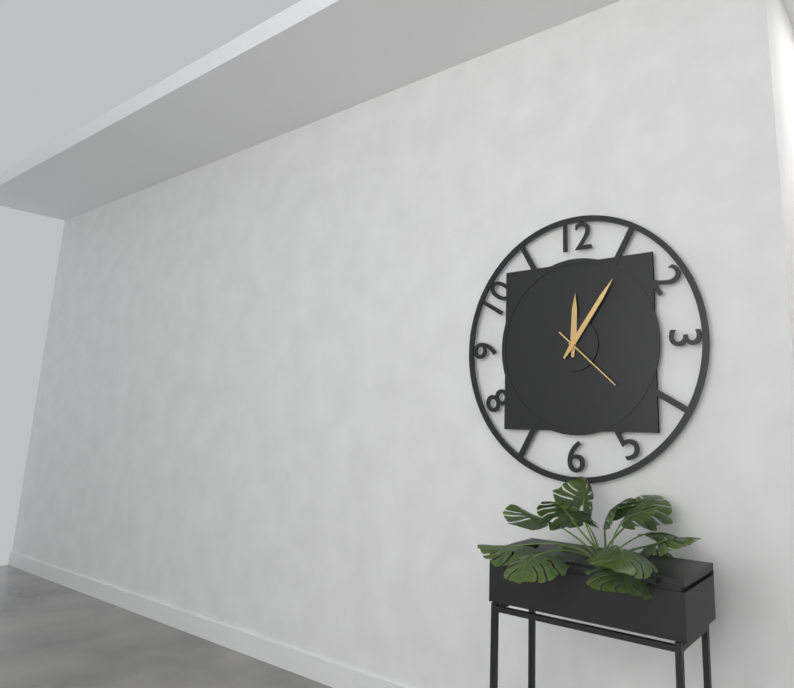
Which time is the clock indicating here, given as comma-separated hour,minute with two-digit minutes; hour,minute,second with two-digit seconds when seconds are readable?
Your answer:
12,06,22
